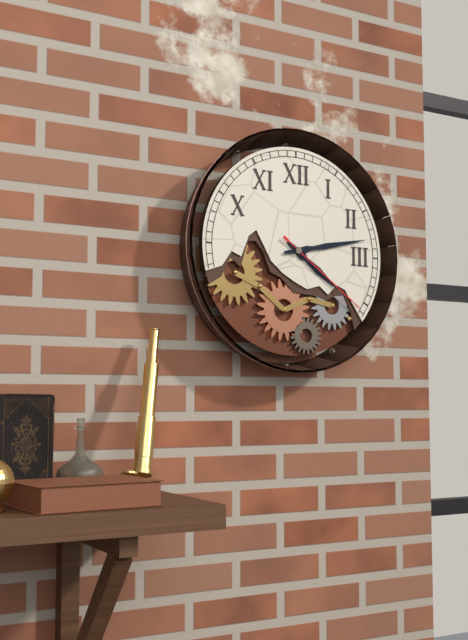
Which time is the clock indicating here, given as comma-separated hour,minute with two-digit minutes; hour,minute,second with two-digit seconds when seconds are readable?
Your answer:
4,13,21
